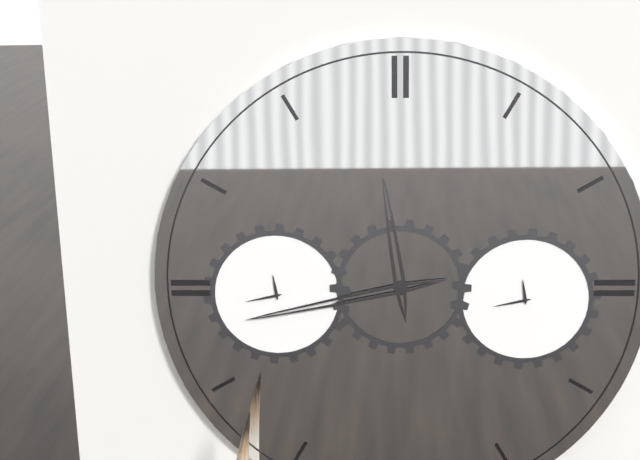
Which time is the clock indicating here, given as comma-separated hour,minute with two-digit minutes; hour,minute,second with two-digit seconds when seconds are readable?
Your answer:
11,43
